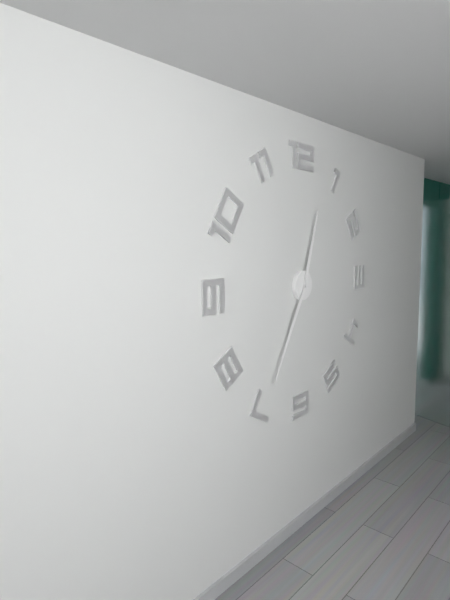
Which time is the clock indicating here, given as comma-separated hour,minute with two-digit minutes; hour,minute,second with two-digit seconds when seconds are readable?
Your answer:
12,35
